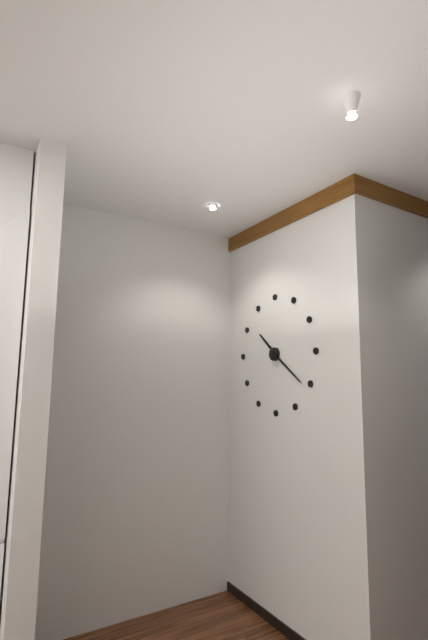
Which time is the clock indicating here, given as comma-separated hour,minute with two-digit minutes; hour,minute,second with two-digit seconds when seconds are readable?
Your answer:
10,21
